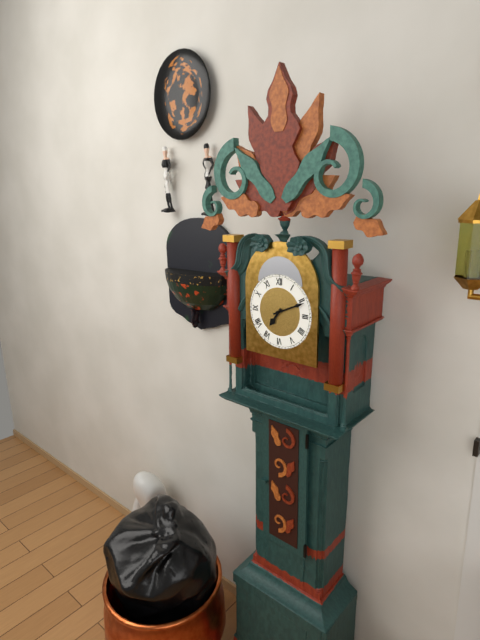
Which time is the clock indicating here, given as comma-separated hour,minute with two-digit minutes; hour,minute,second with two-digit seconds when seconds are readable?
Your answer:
7,11
